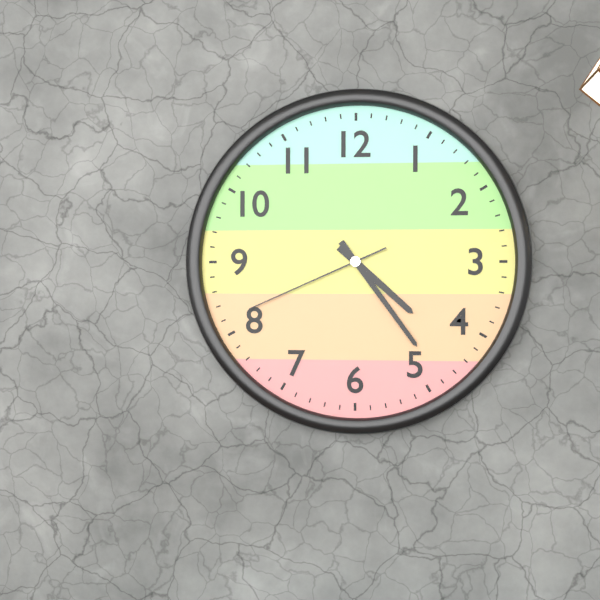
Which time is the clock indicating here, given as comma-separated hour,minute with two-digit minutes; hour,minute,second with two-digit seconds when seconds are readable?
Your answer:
4,24,41
